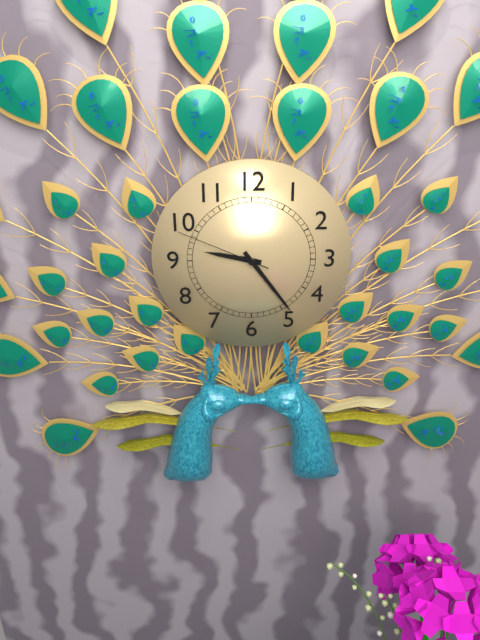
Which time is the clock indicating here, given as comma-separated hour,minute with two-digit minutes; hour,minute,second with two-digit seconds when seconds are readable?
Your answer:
9,24,49
